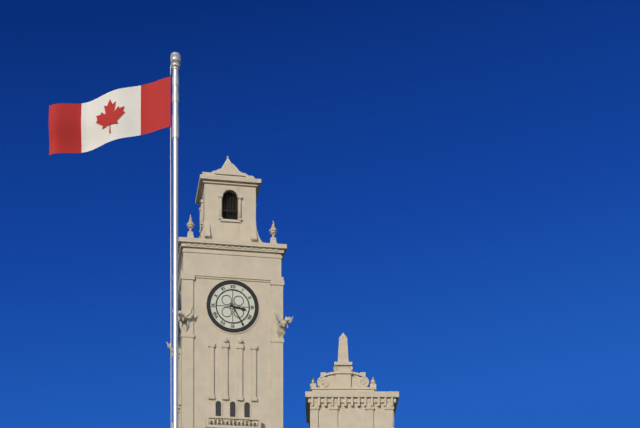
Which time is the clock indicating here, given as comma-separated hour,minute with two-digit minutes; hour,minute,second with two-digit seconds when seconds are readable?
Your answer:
3,25
